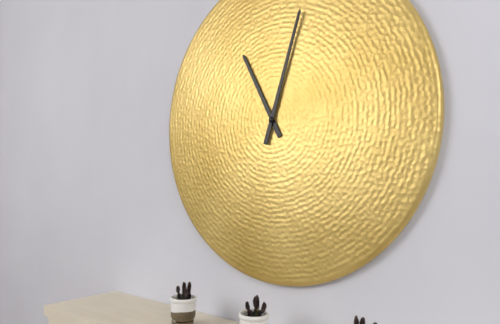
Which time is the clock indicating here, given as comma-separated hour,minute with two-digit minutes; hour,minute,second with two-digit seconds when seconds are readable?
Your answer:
11,03
